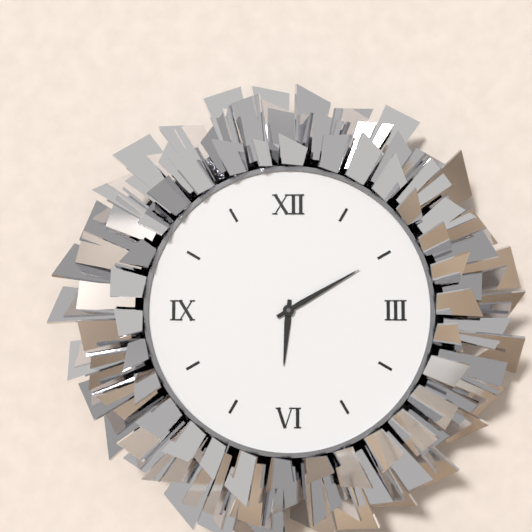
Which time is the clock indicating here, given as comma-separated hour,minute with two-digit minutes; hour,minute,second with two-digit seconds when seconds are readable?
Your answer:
6,10
